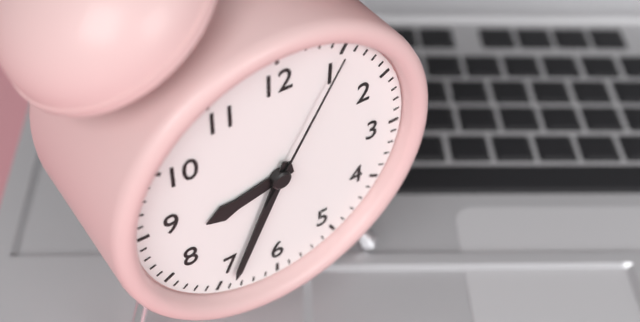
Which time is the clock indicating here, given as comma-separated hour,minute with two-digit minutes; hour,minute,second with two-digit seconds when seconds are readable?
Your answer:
8,34,05
